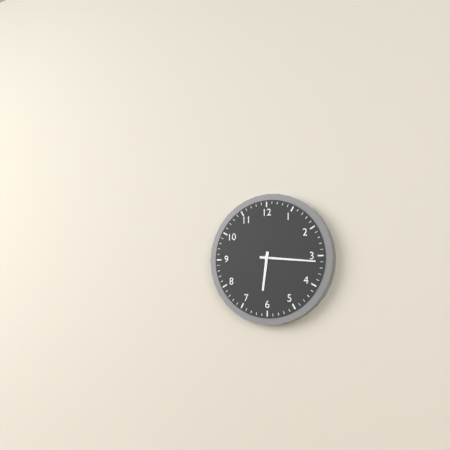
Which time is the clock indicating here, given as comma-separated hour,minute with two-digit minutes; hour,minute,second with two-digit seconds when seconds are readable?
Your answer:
6,16
